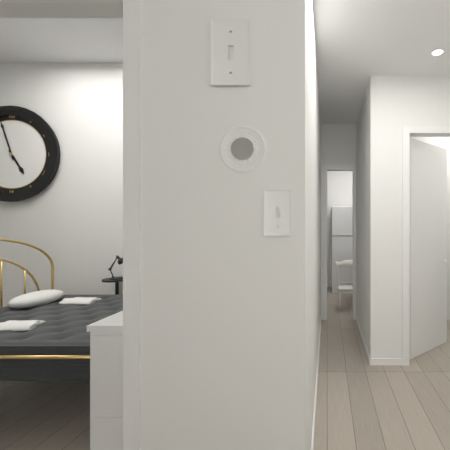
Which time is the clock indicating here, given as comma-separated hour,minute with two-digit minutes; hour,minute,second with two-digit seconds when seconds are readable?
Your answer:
4,57
